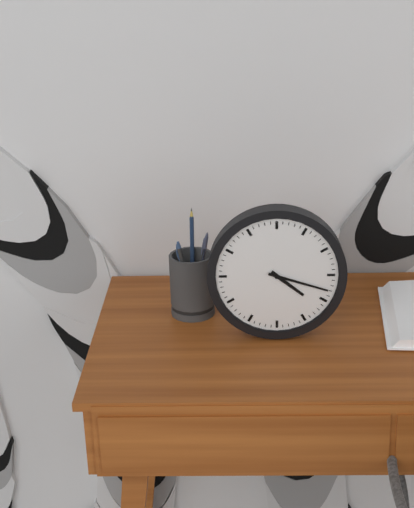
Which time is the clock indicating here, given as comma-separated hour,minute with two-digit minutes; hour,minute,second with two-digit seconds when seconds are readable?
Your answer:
4,18
